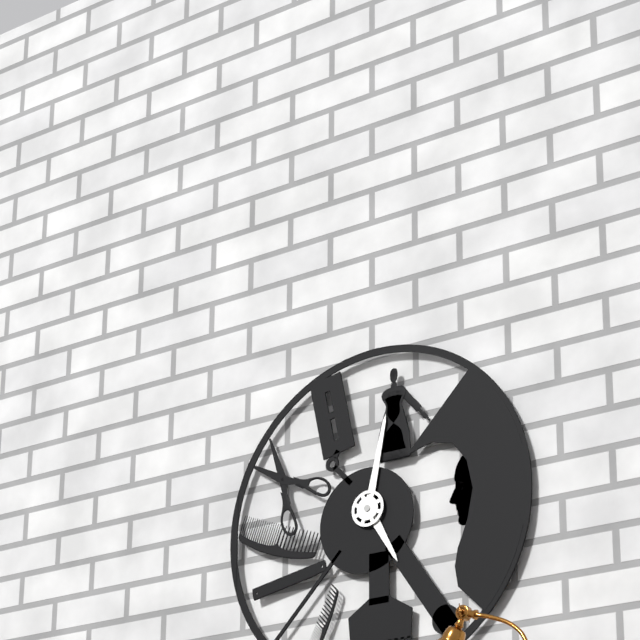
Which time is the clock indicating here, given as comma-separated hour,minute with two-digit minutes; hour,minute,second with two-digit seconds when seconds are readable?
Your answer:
5,02
